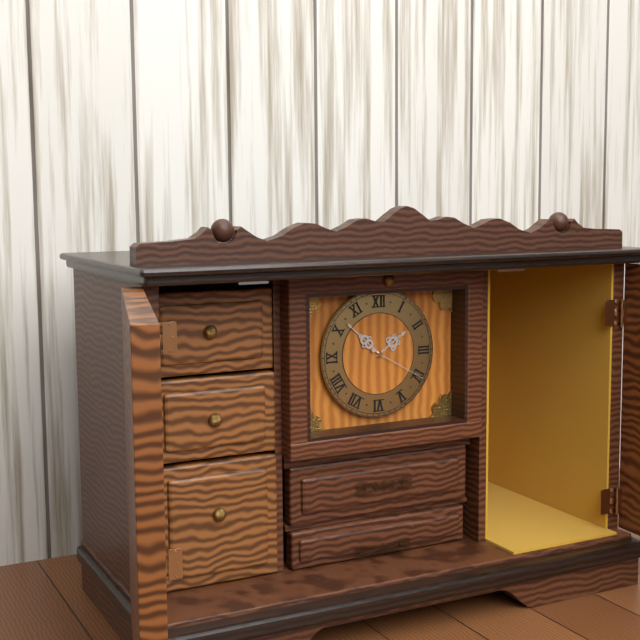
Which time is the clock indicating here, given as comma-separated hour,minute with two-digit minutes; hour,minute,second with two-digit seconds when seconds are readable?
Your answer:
1,52,20
